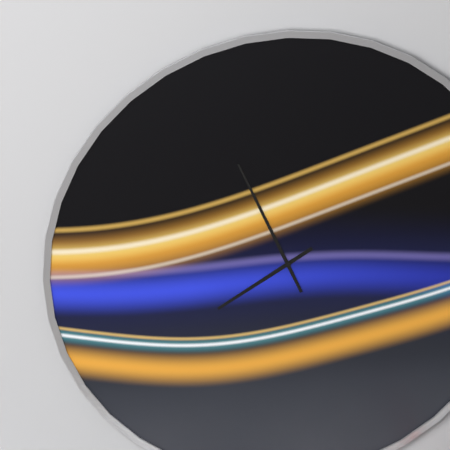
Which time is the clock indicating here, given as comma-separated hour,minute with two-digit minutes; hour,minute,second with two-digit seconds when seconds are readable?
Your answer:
7,56
